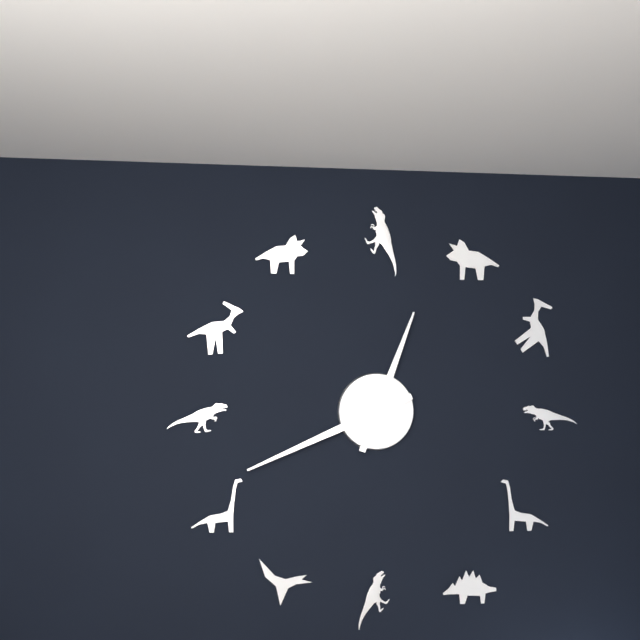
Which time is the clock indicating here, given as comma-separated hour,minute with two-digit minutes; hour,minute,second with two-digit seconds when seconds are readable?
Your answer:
12,41
